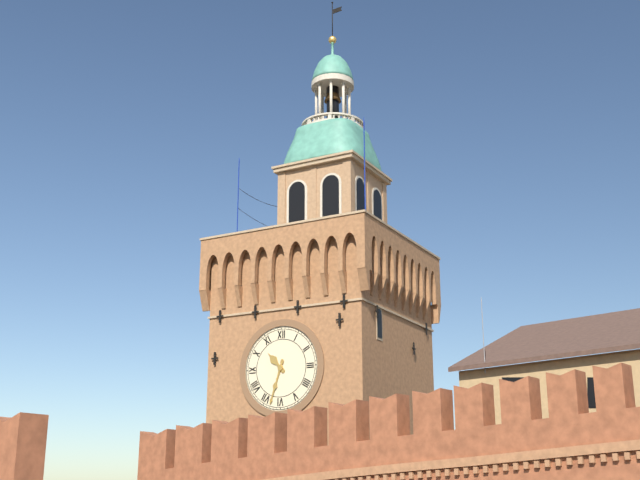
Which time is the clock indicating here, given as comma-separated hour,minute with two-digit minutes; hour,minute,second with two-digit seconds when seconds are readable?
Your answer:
10,33
